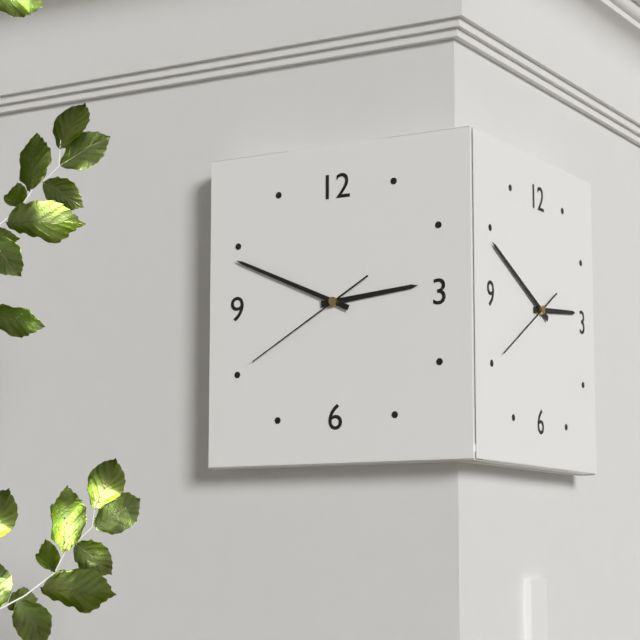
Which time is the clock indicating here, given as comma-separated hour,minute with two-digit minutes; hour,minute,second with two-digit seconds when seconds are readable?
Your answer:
2,49,40
